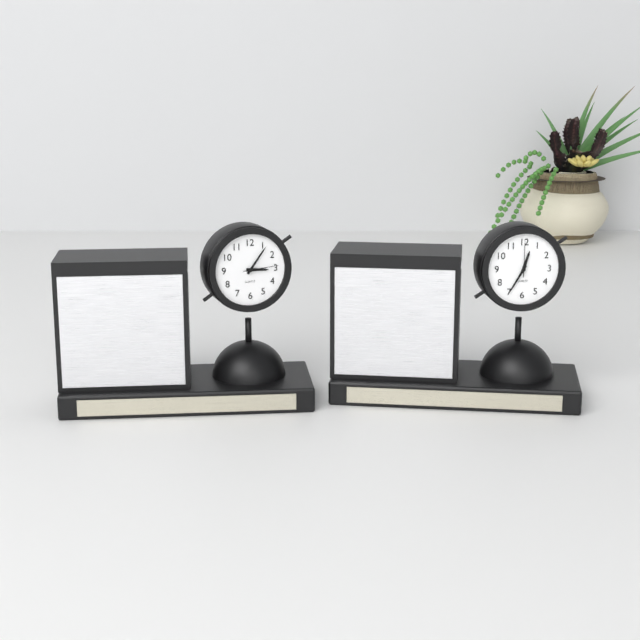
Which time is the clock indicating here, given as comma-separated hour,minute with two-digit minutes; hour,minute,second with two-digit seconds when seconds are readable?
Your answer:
3,06
